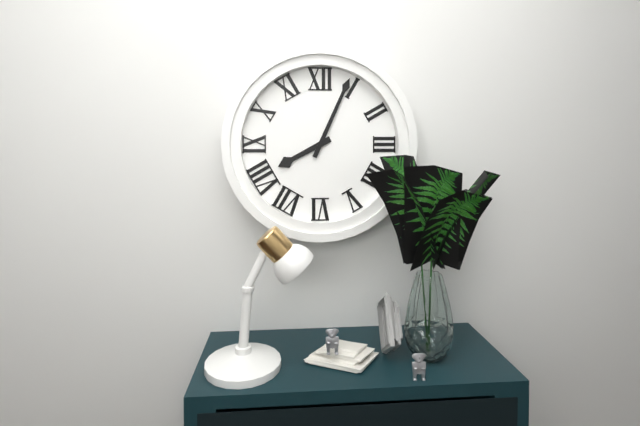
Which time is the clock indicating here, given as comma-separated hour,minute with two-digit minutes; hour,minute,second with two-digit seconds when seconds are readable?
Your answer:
8,04
